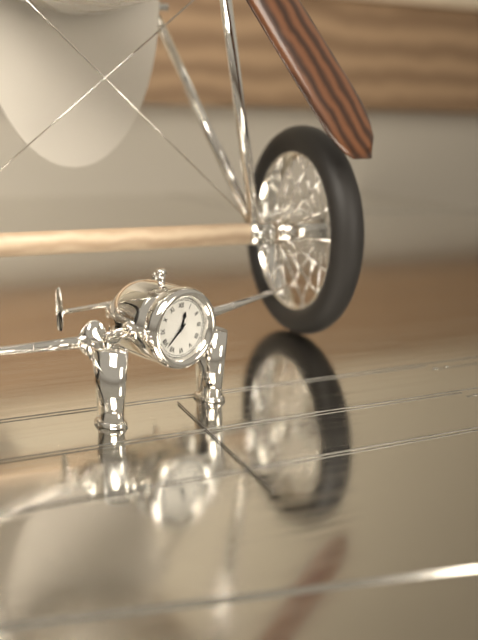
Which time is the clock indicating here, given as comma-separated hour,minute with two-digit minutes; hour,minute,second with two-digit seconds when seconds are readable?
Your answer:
12,38
